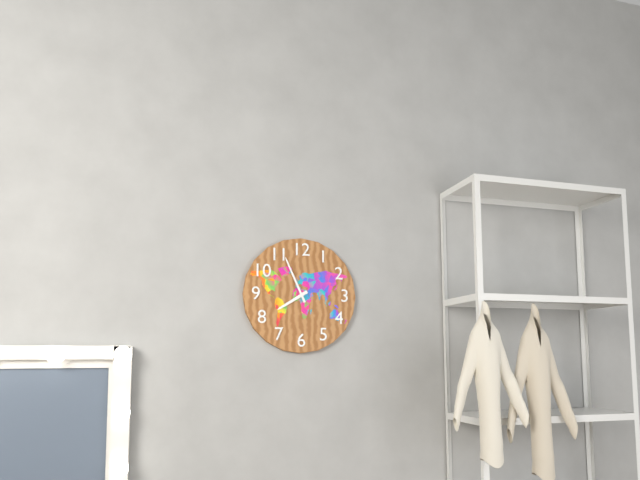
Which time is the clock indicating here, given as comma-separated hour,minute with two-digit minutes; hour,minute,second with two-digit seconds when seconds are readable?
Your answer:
7,56
